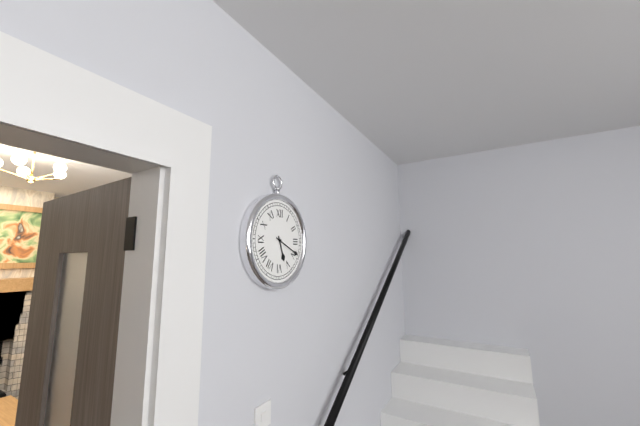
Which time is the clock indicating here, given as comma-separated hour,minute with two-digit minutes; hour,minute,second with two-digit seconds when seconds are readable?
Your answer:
5,19
